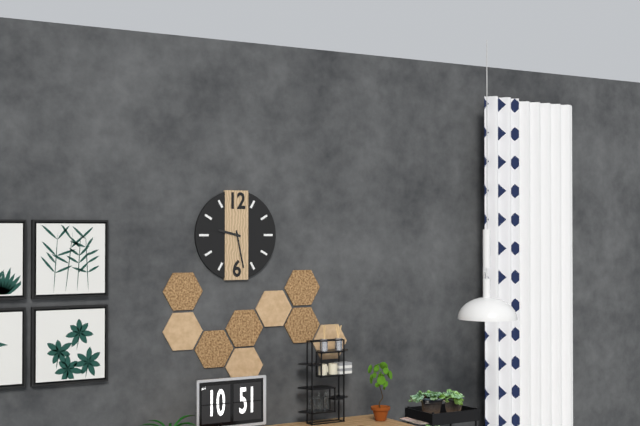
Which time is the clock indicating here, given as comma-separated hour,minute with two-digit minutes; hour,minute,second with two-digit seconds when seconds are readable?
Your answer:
9,28
